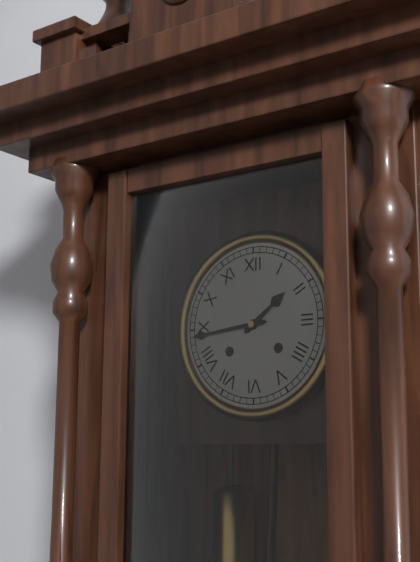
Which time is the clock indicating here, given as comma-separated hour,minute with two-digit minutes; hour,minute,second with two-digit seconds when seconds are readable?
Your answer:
1,44
